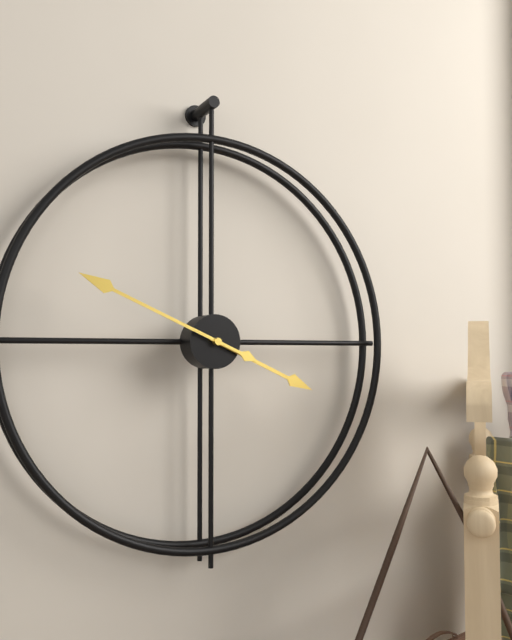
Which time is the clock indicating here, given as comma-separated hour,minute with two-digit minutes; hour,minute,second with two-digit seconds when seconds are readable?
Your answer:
3,49
